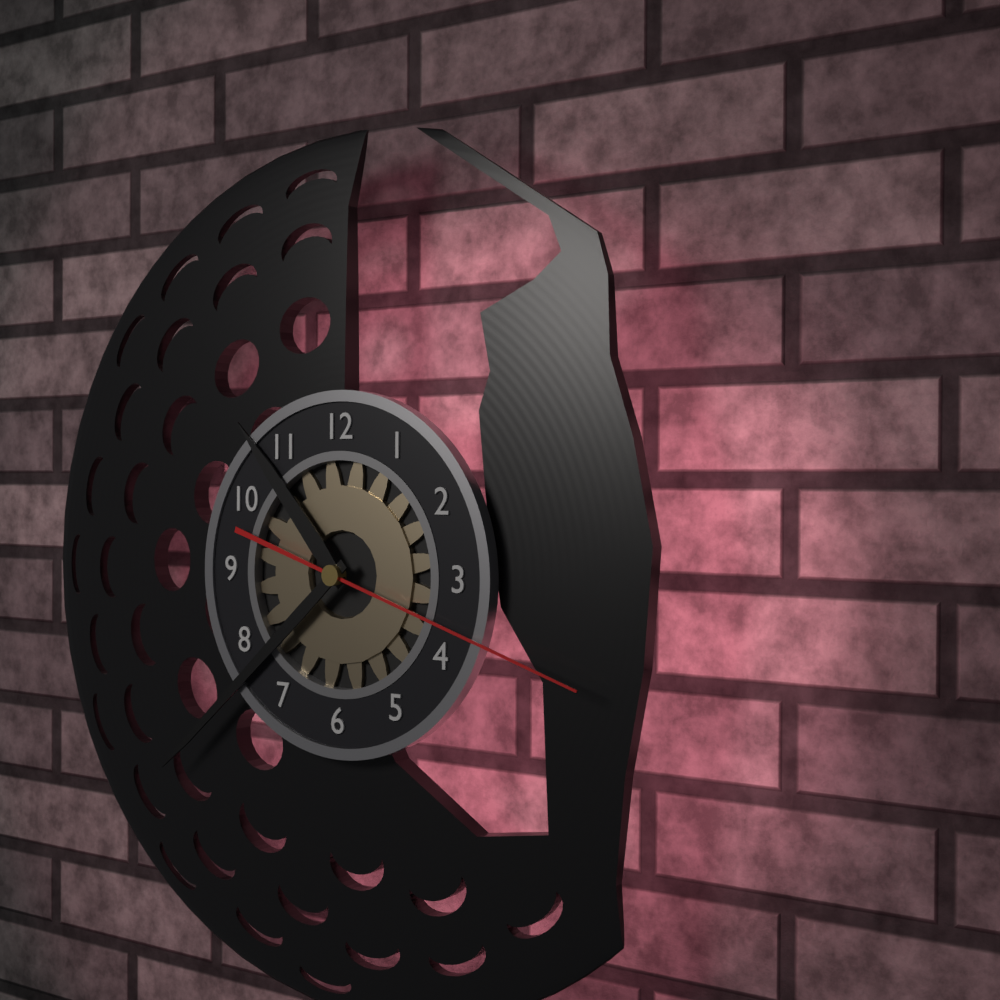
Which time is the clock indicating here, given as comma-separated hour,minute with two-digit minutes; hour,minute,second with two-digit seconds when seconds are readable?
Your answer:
10,38,18
